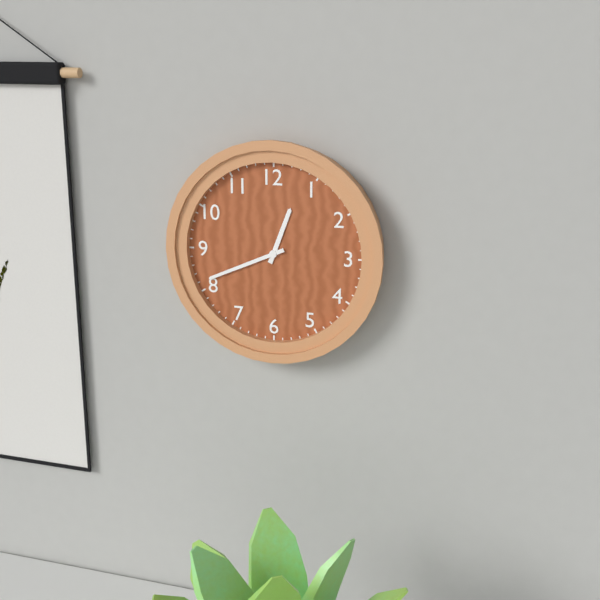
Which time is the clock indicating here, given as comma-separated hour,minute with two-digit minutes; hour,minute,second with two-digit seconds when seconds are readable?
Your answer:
12,41
